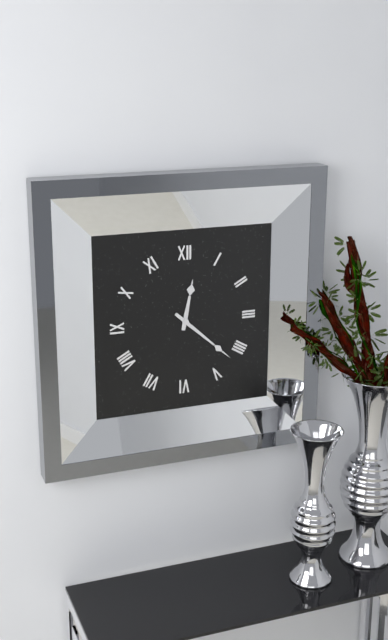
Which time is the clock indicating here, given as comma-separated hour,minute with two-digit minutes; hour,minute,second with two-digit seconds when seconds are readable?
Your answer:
12,22
